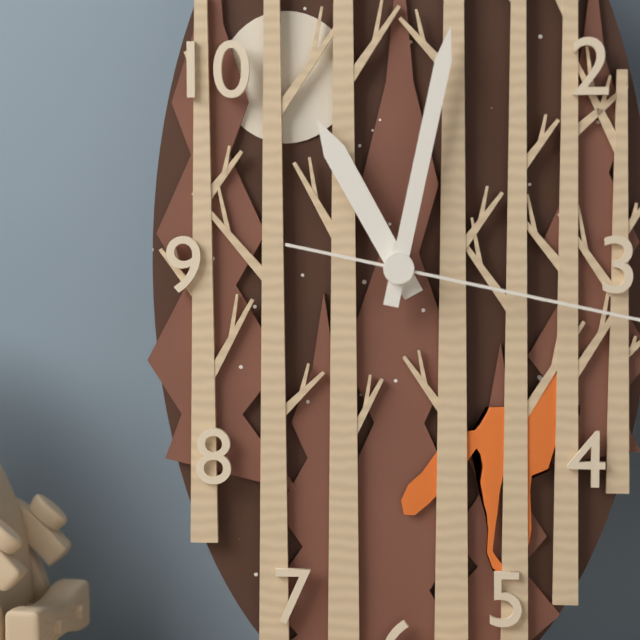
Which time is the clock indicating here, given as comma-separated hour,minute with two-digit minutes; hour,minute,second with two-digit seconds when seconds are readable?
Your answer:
11,02
